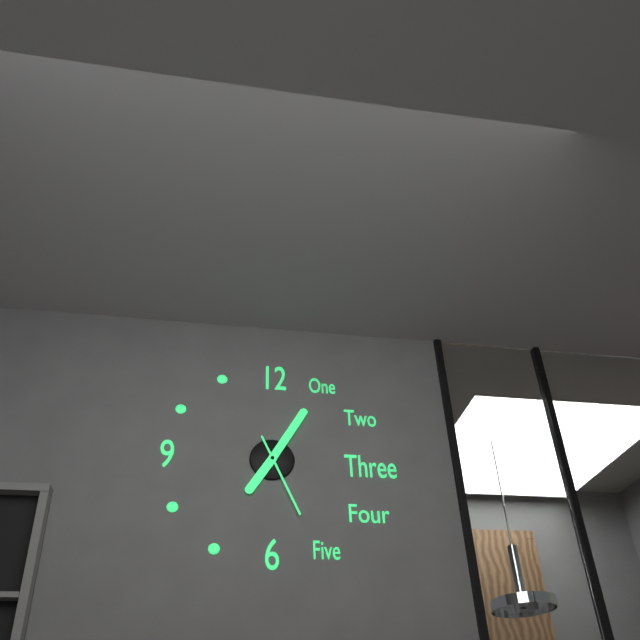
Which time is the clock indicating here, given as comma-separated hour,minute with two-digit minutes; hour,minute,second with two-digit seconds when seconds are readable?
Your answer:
7,05,26
